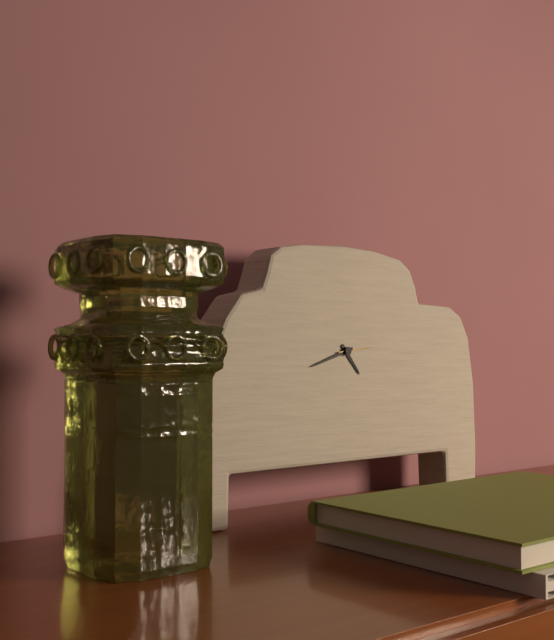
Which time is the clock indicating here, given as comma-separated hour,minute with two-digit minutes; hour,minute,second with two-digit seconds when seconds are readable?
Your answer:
4,42
